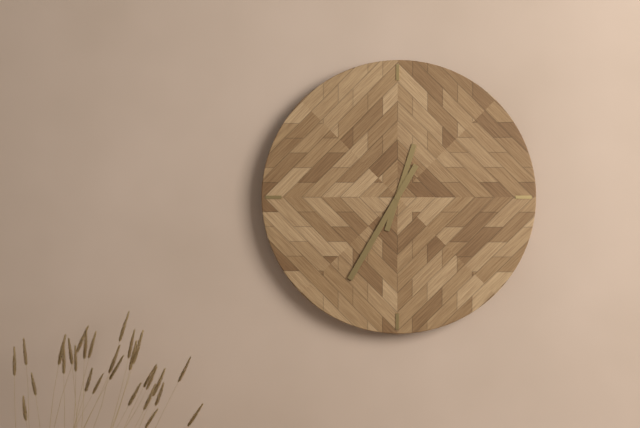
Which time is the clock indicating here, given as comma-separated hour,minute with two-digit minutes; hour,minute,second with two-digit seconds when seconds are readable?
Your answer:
12,35
